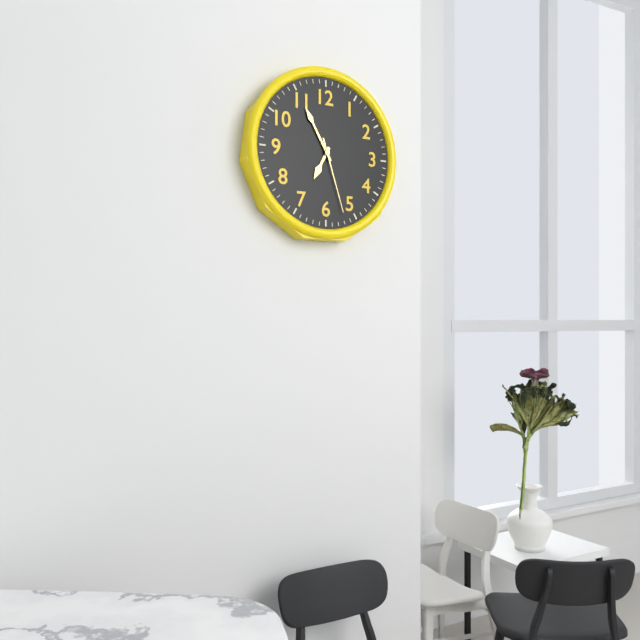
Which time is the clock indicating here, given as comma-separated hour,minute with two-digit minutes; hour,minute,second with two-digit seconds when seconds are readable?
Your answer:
6,55,27
